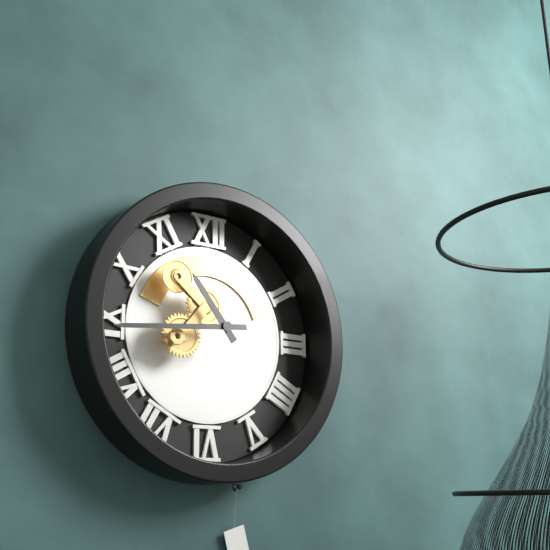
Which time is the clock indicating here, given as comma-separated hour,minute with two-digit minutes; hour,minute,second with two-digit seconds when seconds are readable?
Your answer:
10,44
